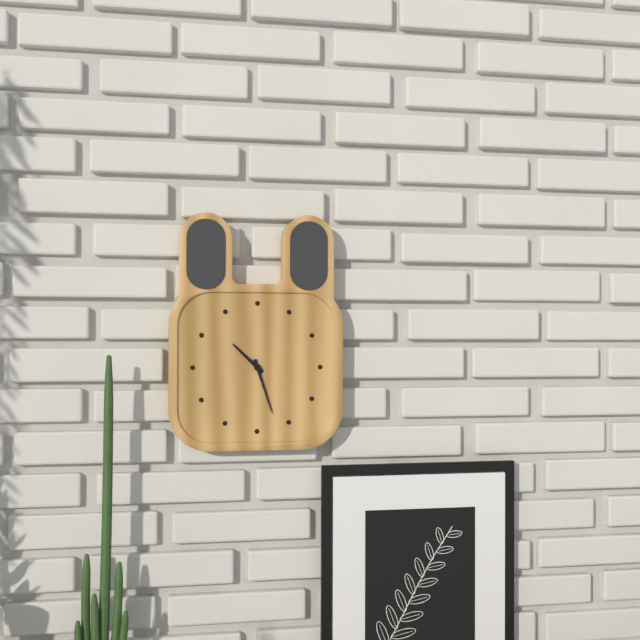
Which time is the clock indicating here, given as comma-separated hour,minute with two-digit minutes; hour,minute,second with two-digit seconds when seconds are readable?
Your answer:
10,27
